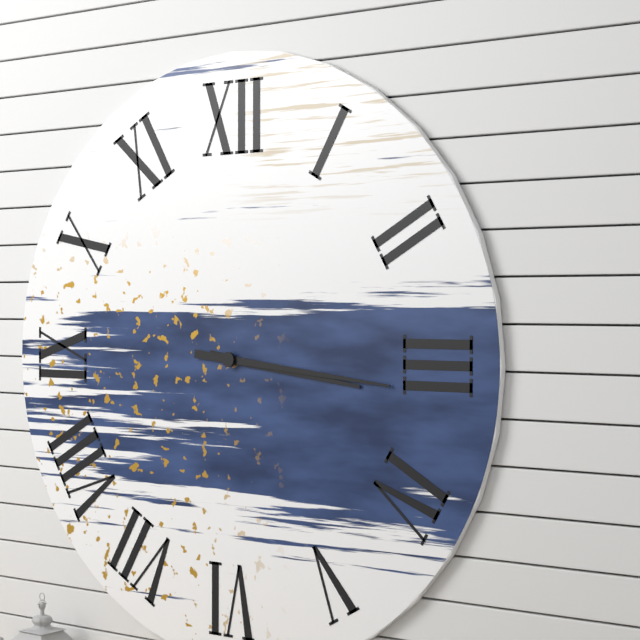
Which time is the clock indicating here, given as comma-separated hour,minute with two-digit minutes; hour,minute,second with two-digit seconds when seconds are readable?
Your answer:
3,16
